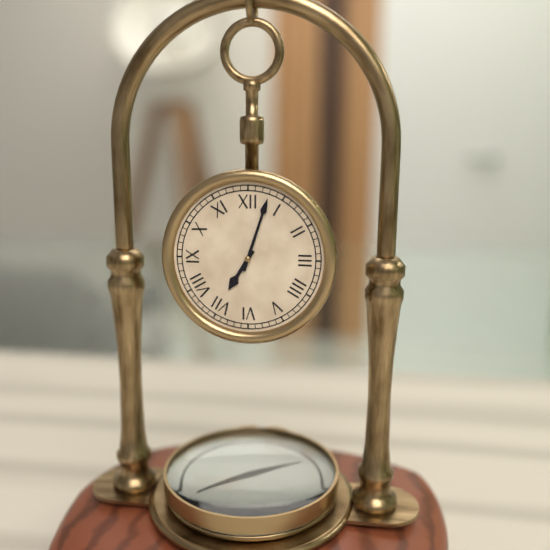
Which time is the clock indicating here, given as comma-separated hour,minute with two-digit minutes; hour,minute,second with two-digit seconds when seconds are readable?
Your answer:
7,03
